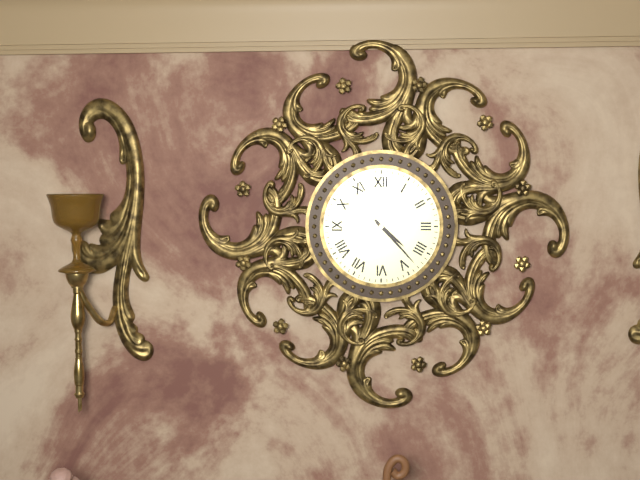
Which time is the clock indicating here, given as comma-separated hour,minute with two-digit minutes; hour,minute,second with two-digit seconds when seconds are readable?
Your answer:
4,23
